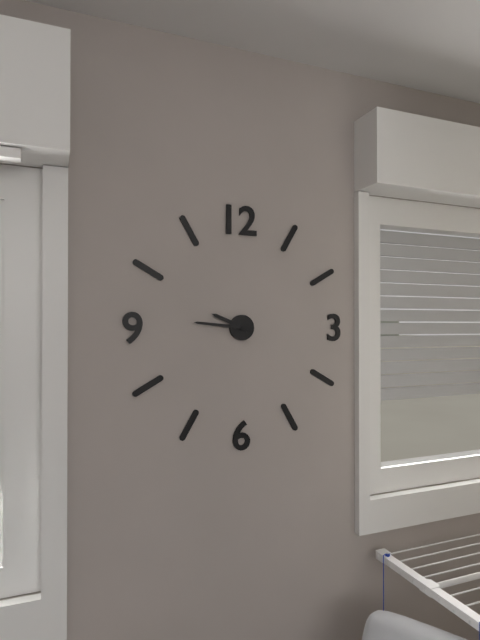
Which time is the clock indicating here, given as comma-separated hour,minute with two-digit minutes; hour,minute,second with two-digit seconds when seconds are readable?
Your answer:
9,46
